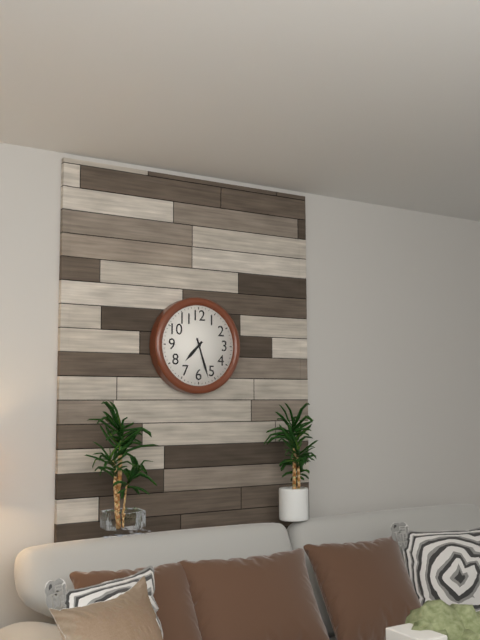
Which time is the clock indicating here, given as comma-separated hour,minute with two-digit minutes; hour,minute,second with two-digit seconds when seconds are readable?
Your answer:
7,27
